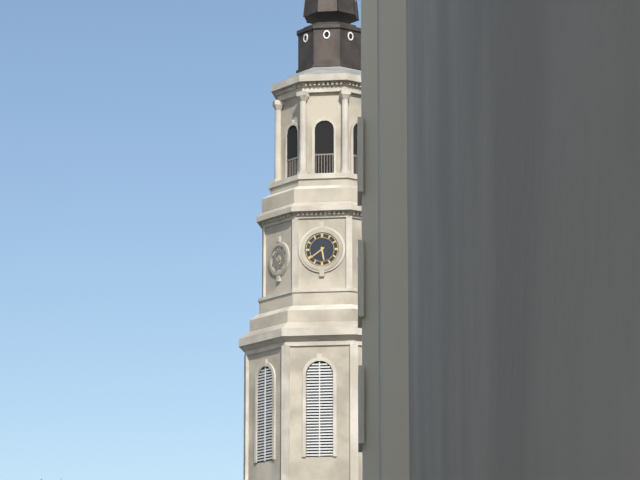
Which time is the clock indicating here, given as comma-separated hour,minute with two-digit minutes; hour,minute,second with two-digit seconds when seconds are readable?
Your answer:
5,39
